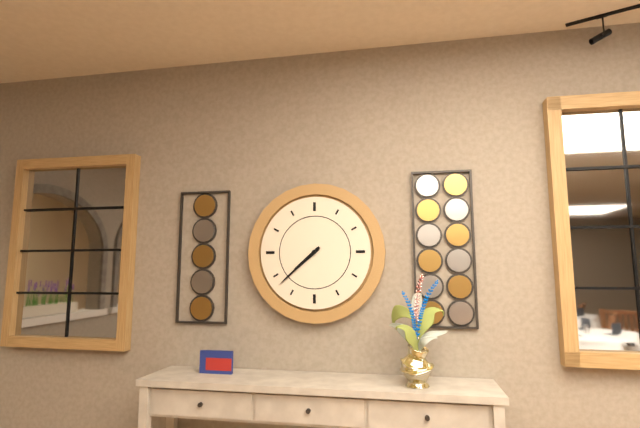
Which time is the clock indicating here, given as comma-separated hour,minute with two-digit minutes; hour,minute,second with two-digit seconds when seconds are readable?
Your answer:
7,38
